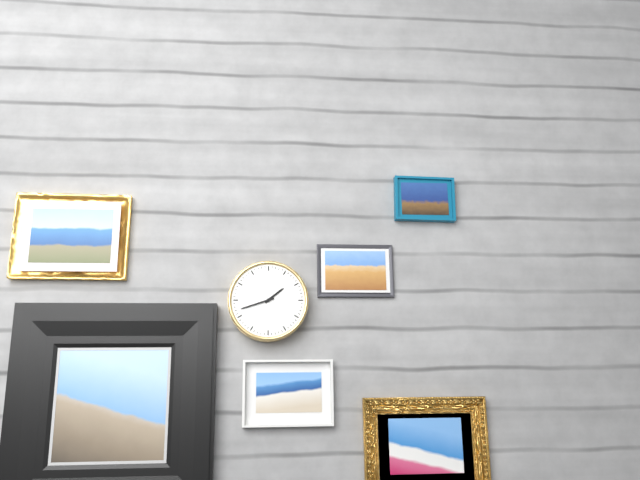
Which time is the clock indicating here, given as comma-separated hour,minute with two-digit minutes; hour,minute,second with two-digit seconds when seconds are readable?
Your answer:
1,42
